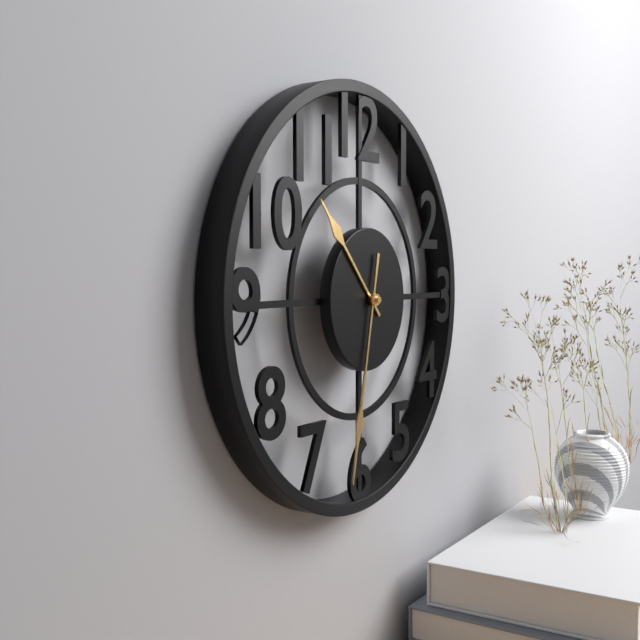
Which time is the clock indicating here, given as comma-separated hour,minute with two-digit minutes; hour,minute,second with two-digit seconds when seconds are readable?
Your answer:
10,32
